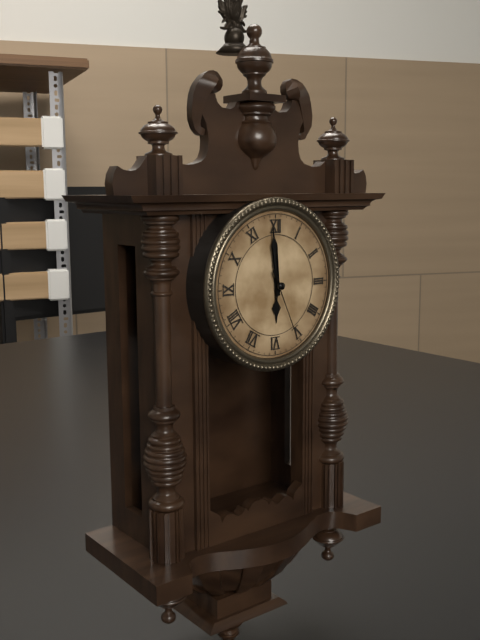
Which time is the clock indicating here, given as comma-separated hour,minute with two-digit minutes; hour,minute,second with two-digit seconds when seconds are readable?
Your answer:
5,59,26
